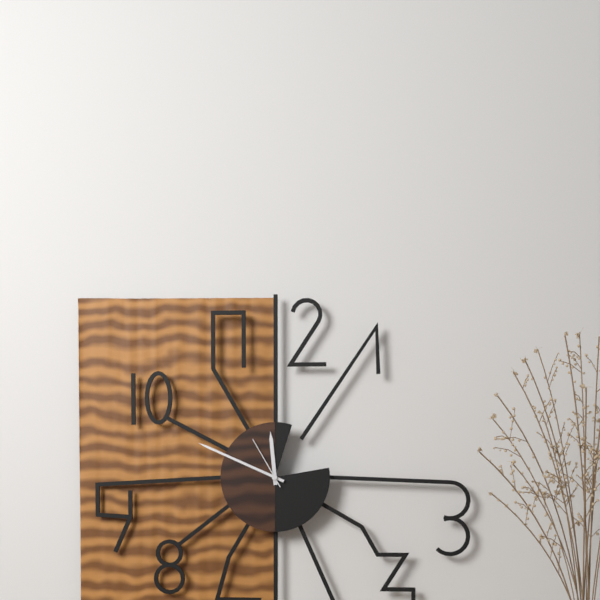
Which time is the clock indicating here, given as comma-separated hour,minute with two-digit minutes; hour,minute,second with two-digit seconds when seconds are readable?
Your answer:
11,49,55
